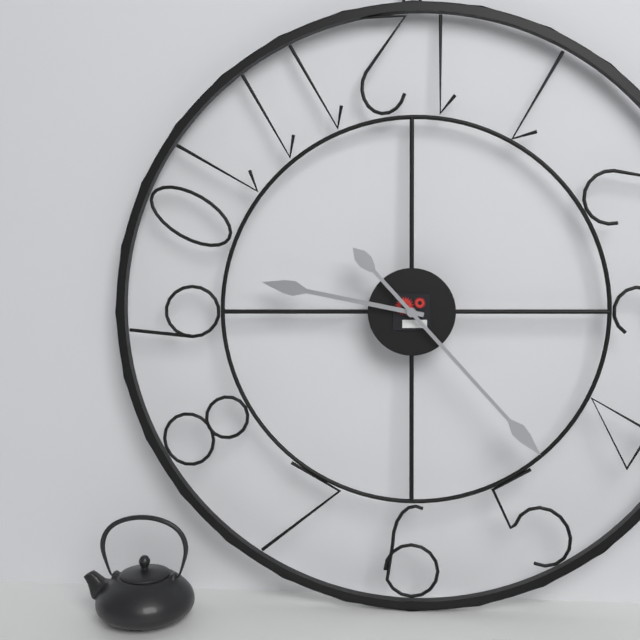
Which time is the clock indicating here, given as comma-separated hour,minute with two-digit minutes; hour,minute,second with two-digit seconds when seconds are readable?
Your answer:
9,23
